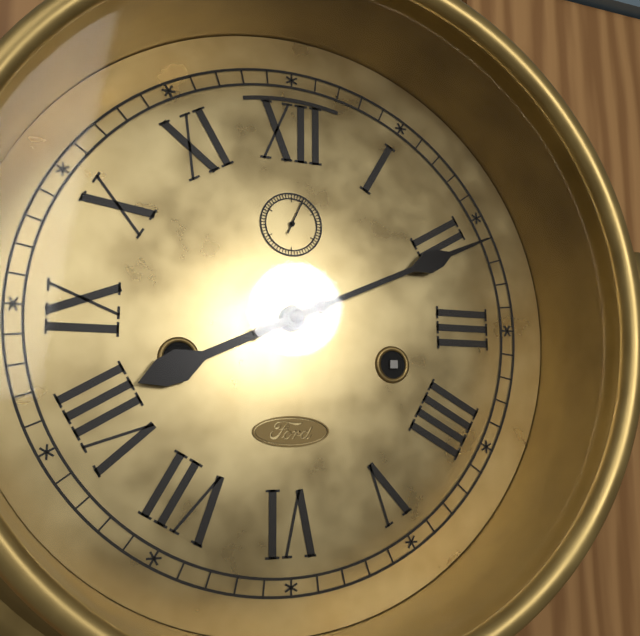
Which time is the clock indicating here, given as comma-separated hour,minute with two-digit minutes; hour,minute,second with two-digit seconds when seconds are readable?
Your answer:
8,11
